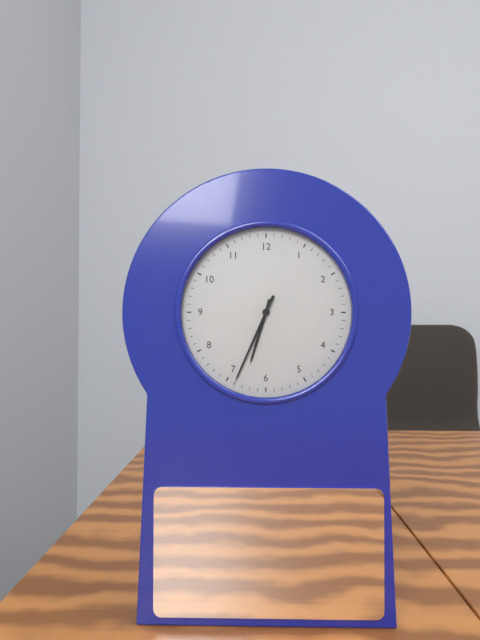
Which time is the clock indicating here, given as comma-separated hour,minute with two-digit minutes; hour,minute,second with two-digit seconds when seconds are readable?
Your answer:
6,34
